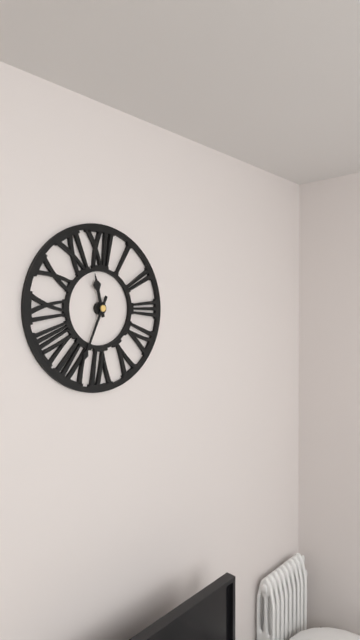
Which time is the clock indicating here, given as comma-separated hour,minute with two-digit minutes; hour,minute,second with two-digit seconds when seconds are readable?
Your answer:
11,34
